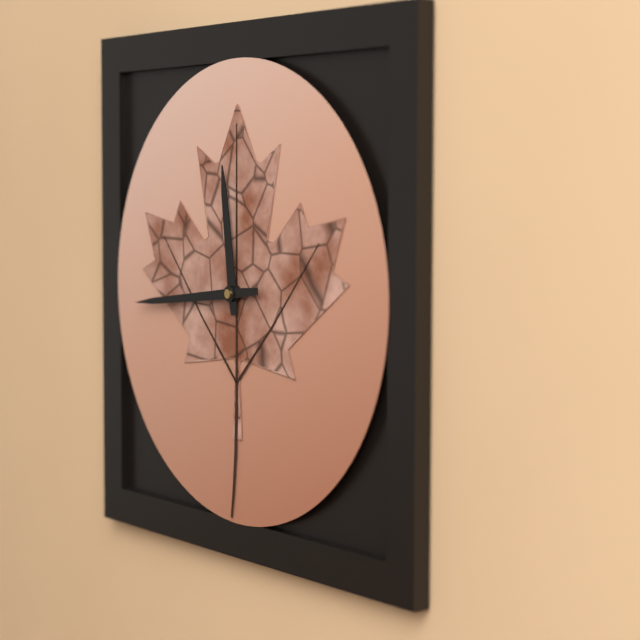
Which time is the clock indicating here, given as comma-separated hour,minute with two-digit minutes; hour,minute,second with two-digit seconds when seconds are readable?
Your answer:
11,44
